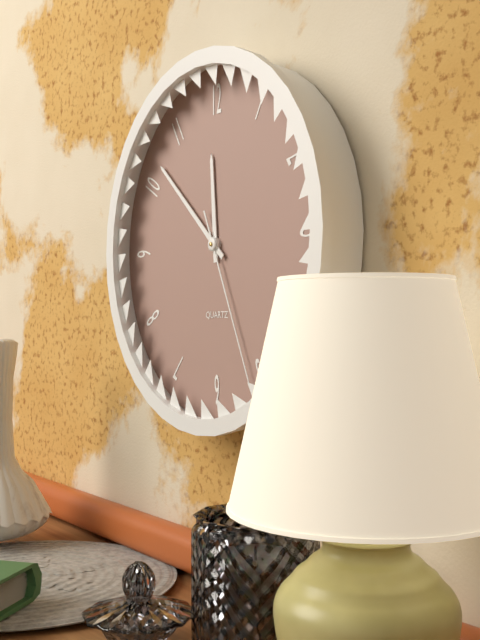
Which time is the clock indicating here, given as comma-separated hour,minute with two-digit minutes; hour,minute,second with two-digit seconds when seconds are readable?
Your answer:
11,52,26
